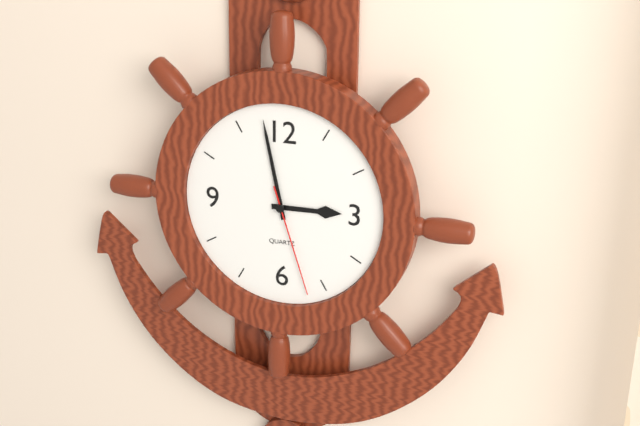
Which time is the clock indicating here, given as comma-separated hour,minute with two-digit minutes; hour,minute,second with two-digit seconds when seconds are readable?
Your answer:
2,58,27
